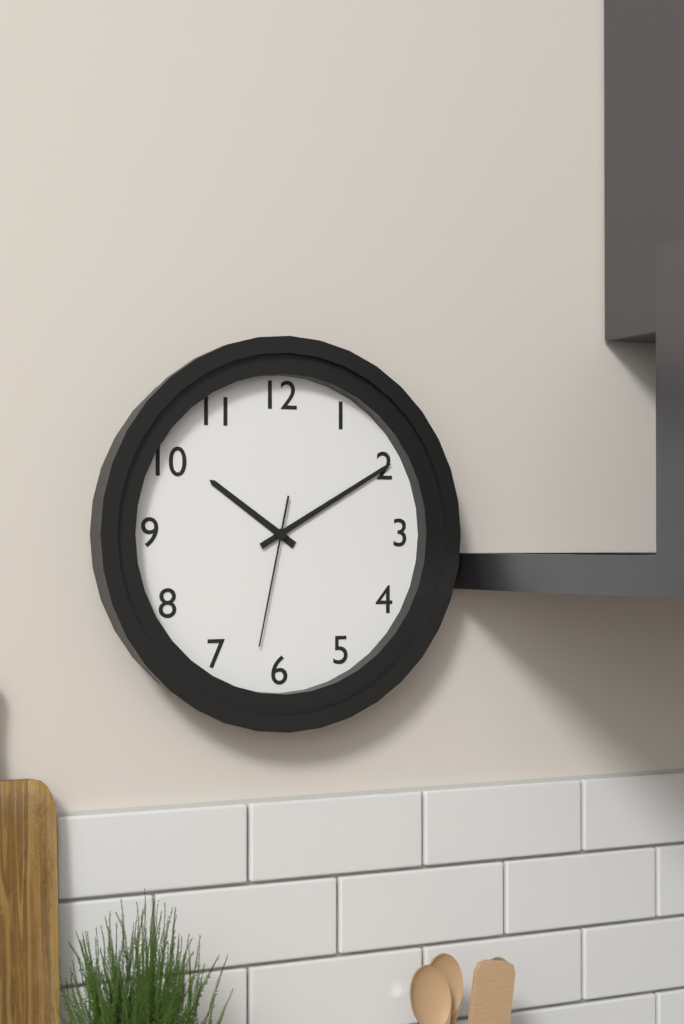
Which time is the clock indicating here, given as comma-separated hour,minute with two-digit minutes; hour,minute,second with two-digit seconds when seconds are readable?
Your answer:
10,10,32
